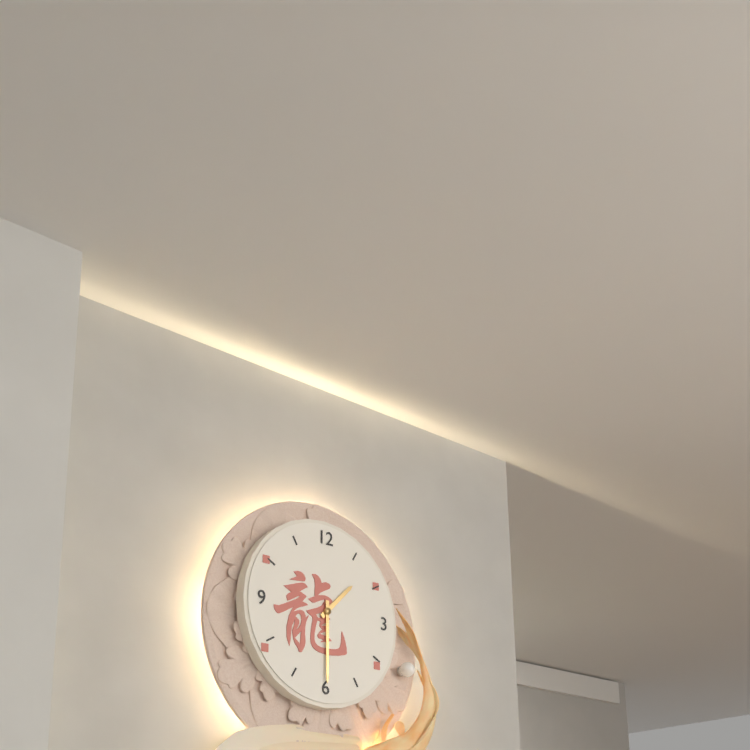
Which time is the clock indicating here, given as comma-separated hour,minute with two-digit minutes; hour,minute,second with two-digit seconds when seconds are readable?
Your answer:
1,30
